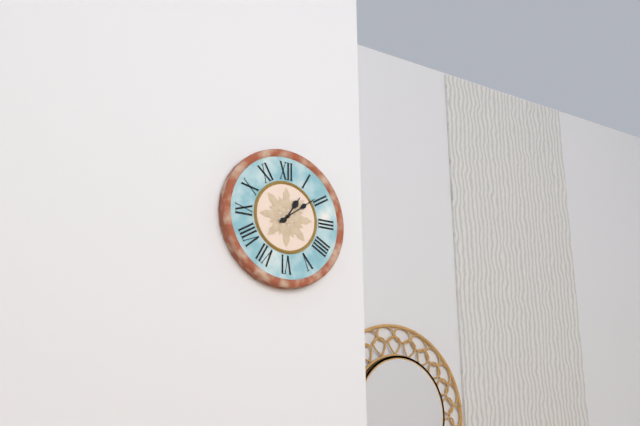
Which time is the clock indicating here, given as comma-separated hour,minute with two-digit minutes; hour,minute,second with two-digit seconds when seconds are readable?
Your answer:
1,09
